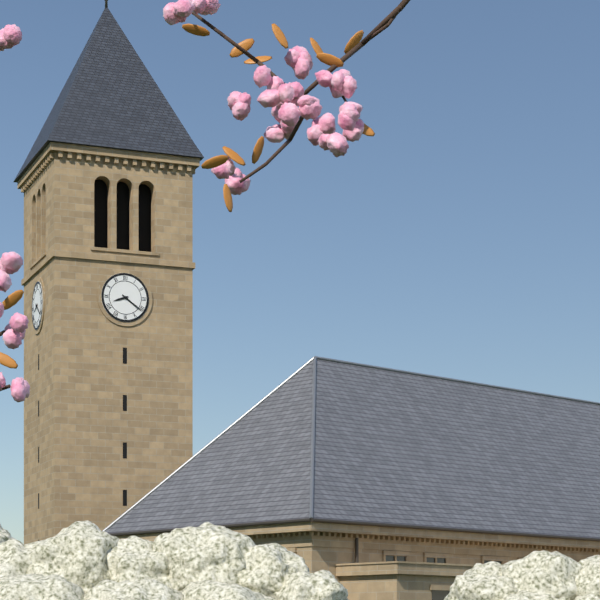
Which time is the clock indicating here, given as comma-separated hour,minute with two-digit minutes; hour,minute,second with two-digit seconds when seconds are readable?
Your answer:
8,21
